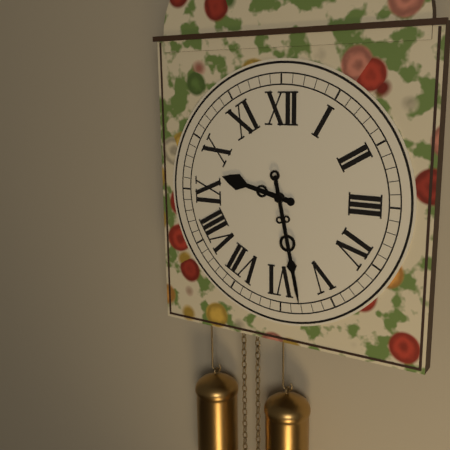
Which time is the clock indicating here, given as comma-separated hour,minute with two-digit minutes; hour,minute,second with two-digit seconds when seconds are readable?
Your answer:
9,28
